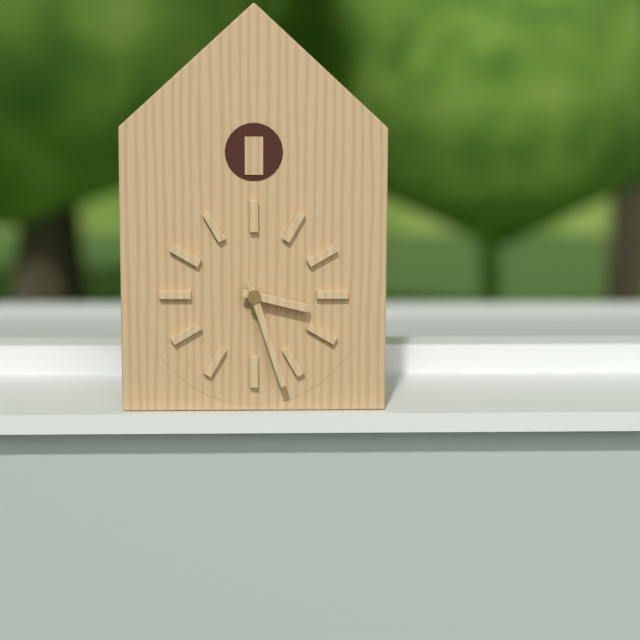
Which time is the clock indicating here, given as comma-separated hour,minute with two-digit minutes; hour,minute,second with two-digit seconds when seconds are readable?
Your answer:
3,27
